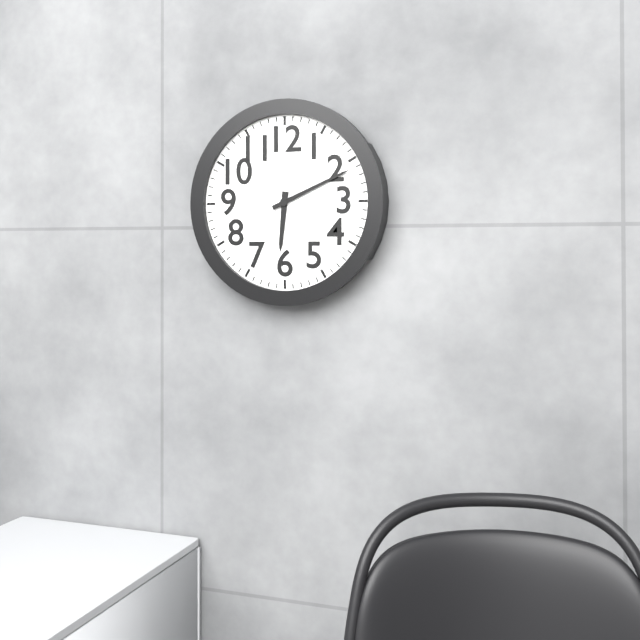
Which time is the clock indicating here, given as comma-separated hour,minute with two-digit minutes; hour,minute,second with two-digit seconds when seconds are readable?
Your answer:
6,11
